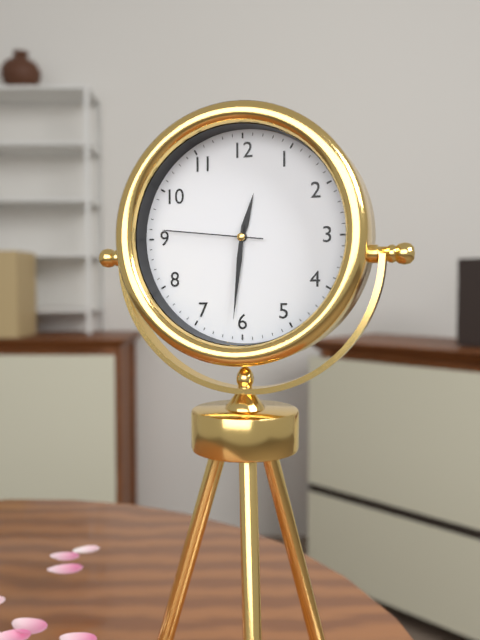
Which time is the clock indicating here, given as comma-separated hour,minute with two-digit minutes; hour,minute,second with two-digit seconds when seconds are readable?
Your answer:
12,31,46
